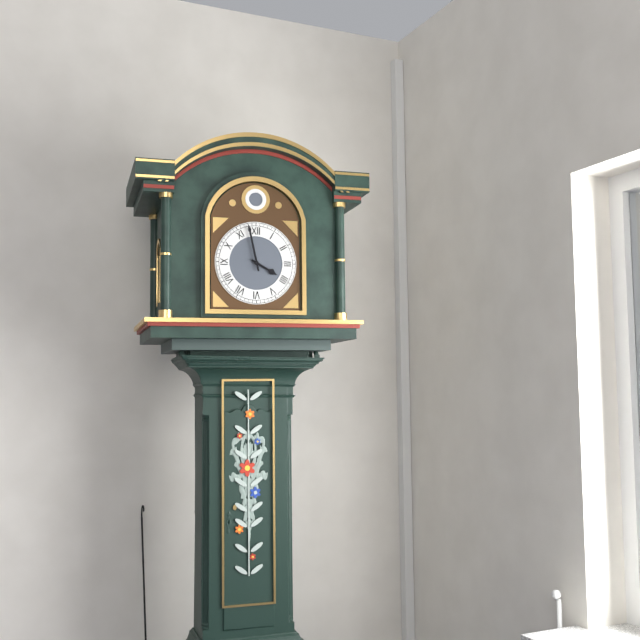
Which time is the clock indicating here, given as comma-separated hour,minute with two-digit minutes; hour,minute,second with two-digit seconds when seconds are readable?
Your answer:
3,58
